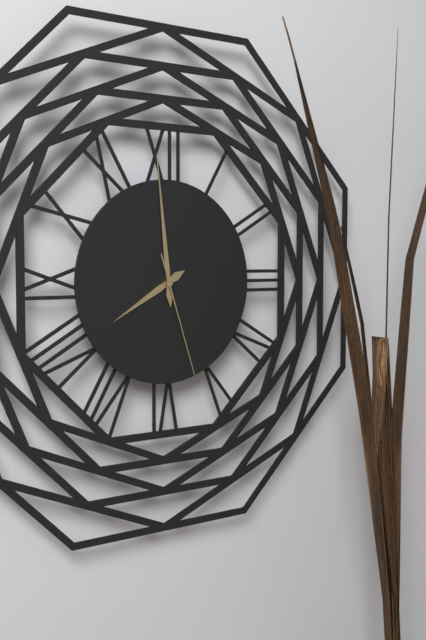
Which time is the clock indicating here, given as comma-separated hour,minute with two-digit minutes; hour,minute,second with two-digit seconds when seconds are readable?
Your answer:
7,59,27
